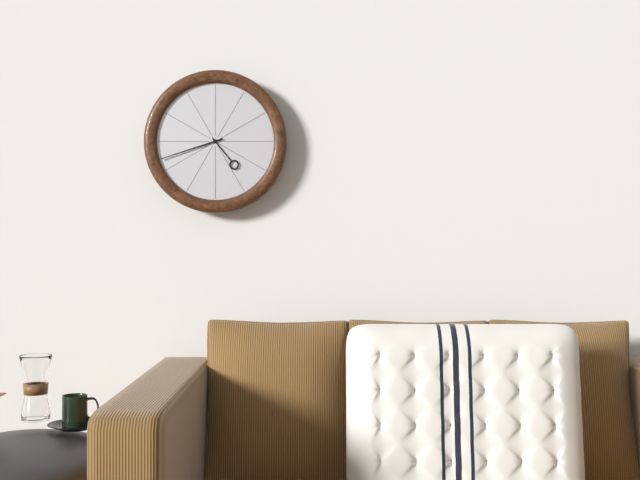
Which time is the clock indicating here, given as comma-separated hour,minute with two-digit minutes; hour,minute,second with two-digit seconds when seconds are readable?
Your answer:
4,42
